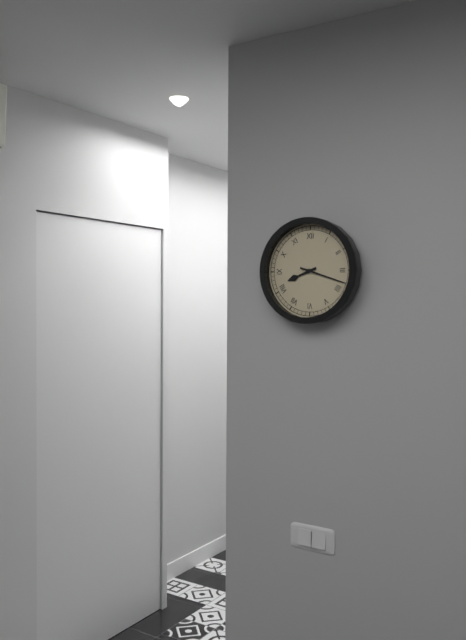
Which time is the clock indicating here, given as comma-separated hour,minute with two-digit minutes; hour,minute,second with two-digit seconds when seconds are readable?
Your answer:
8,18
